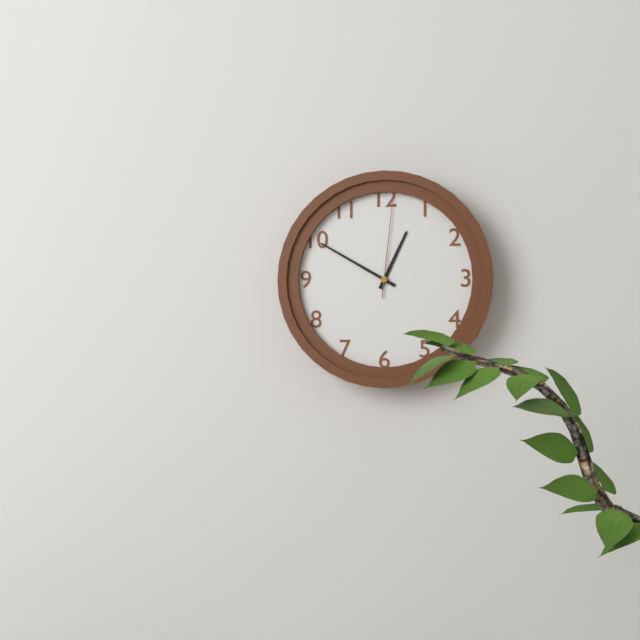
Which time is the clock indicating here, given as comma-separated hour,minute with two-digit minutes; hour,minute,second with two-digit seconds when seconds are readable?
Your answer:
12,50,01
